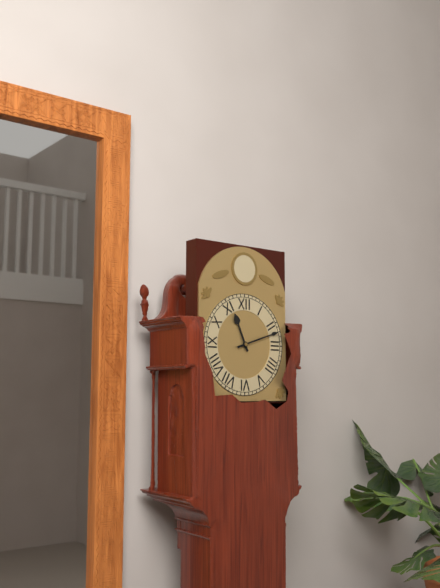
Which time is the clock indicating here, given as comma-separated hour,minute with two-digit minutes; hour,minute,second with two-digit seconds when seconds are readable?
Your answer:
11,12
